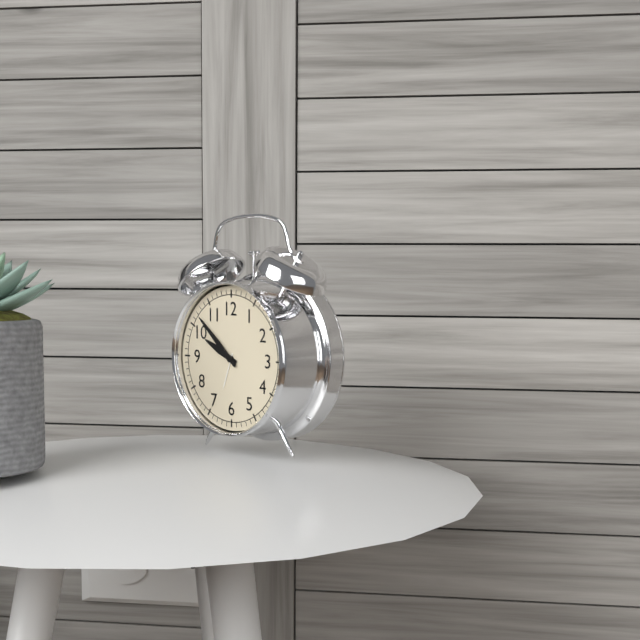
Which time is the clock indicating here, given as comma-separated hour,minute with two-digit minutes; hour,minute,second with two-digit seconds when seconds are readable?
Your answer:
9,52
